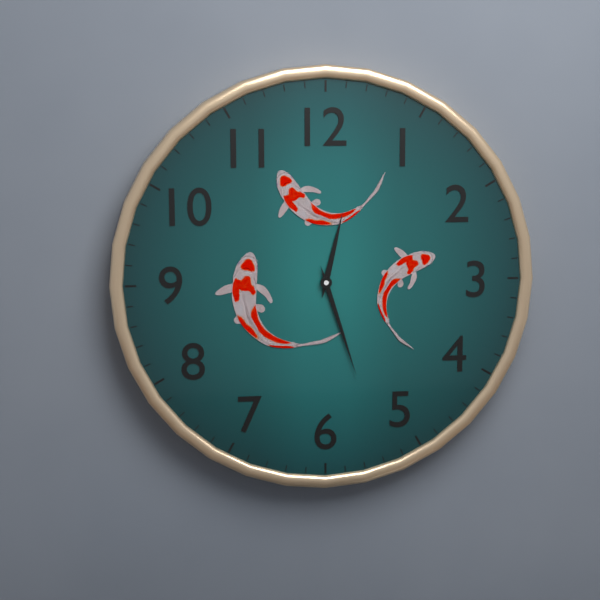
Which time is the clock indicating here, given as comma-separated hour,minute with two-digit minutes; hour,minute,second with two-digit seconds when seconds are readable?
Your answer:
12,27
